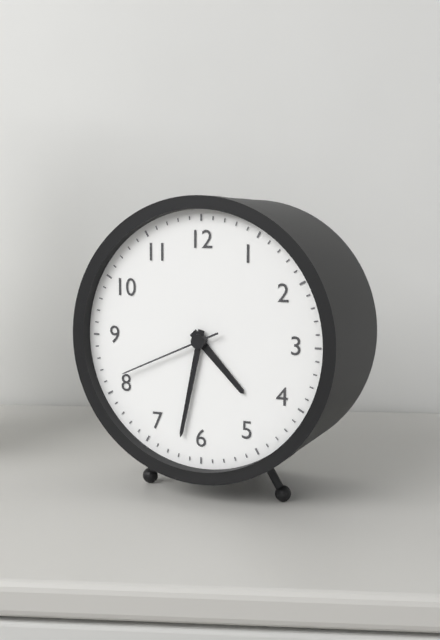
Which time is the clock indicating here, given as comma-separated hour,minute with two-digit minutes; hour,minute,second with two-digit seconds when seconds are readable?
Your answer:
4,32,41
